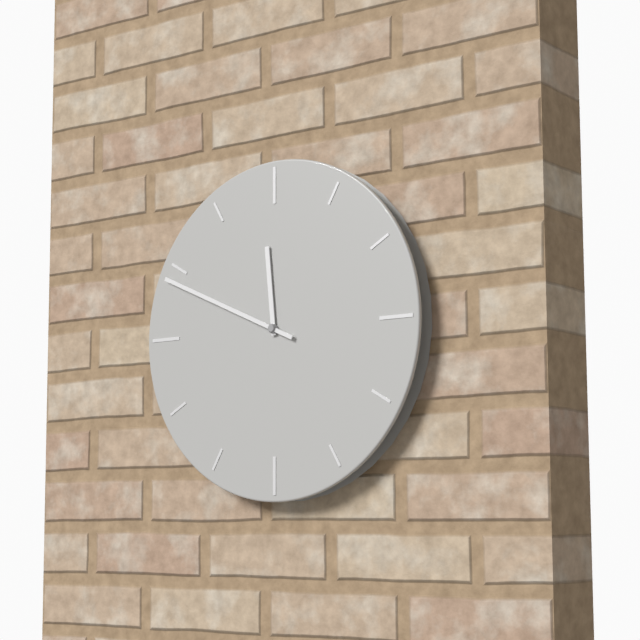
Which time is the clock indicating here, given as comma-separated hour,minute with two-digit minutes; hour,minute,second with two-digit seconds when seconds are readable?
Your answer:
11,49
